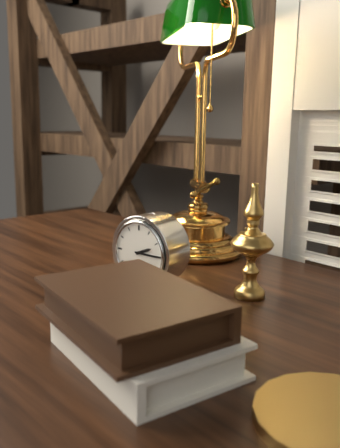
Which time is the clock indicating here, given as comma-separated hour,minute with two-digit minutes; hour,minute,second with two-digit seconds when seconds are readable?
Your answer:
2,15
